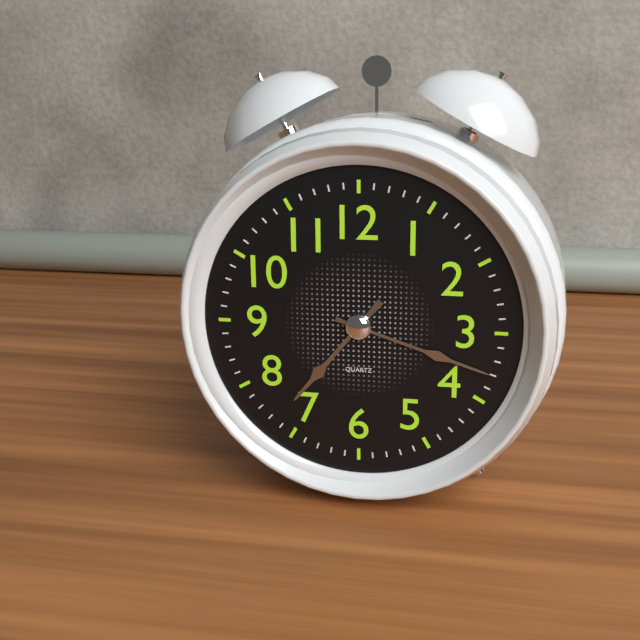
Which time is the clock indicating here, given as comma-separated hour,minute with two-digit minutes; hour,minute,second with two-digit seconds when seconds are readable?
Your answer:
7,18
